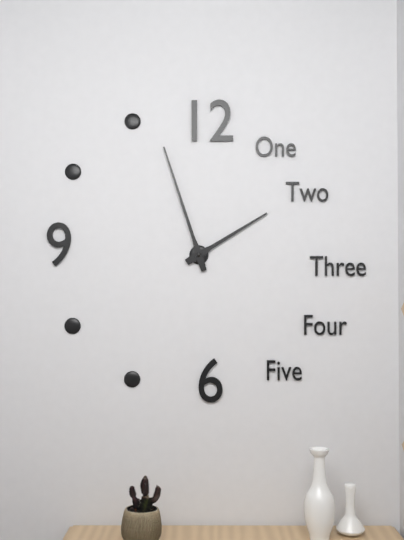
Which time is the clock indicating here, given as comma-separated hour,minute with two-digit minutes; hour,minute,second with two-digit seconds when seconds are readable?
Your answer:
1,57
